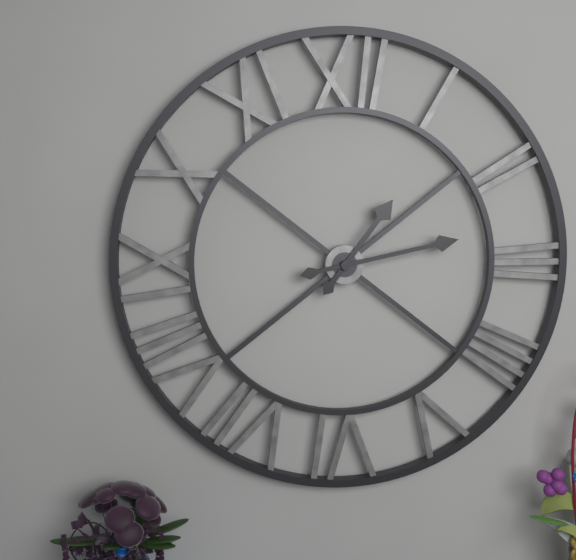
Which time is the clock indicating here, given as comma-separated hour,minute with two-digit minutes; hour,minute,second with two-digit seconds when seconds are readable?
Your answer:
1,13
